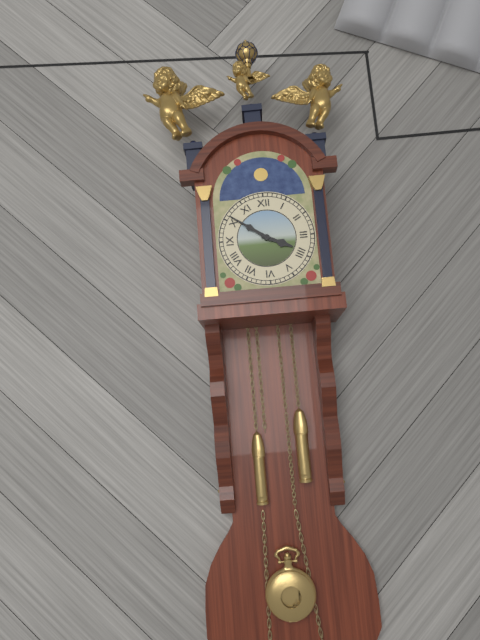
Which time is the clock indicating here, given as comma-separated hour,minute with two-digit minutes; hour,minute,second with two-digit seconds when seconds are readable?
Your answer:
3,51
